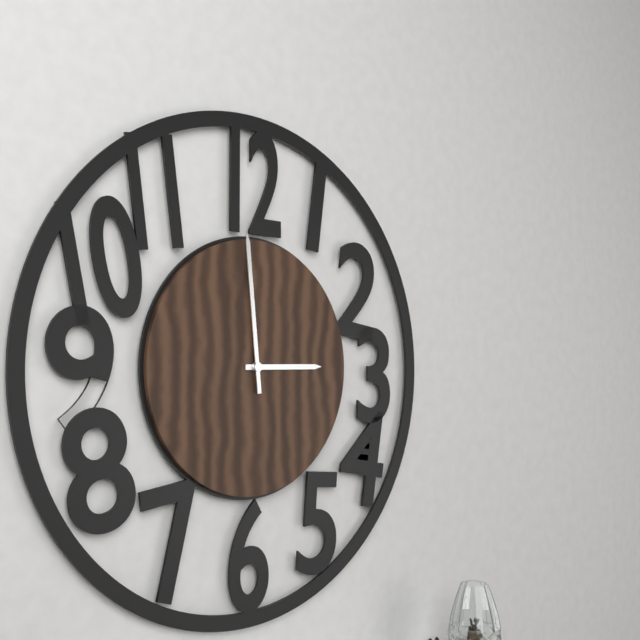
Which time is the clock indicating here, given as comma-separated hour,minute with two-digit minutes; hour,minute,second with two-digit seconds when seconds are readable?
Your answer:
2,59
